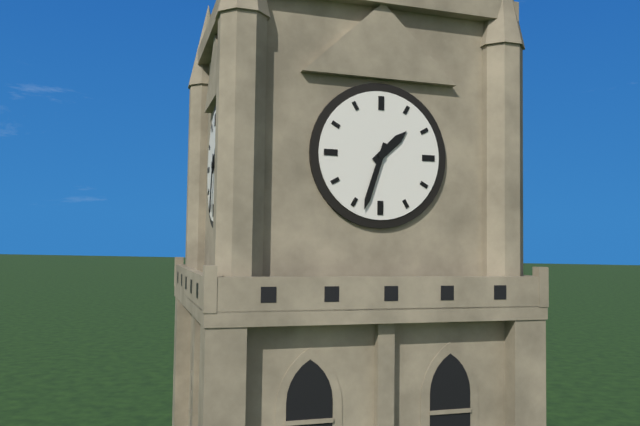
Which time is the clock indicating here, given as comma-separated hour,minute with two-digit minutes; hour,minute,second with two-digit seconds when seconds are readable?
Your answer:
1,33
